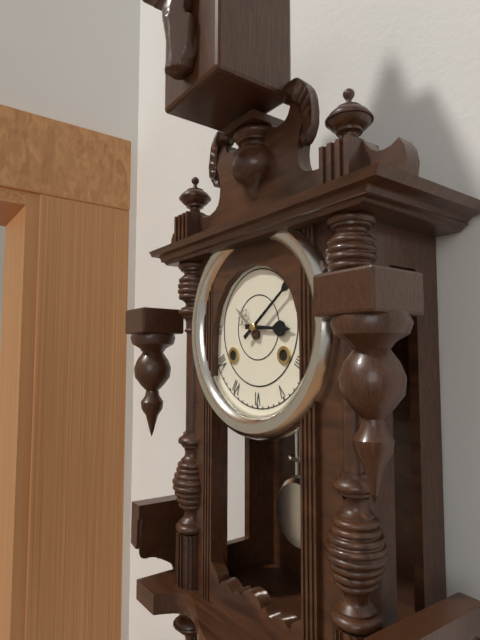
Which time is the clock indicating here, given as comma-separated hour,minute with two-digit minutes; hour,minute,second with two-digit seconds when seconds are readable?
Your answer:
3,09
